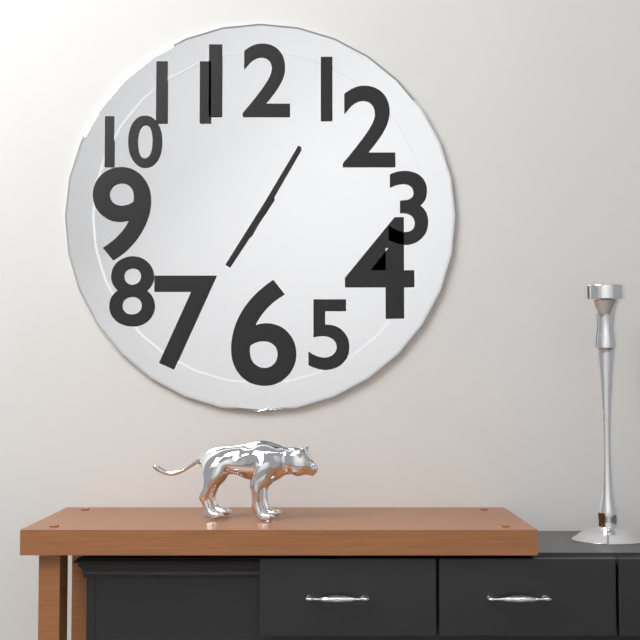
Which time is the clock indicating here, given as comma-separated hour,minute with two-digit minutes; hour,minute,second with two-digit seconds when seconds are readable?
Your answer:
7,05
